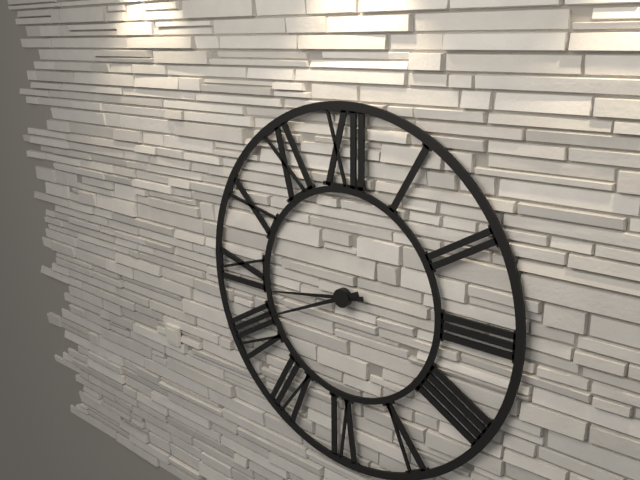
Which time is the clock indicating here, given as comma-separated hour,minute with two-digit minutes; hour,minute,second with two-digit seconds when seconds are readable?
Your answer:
8,41
